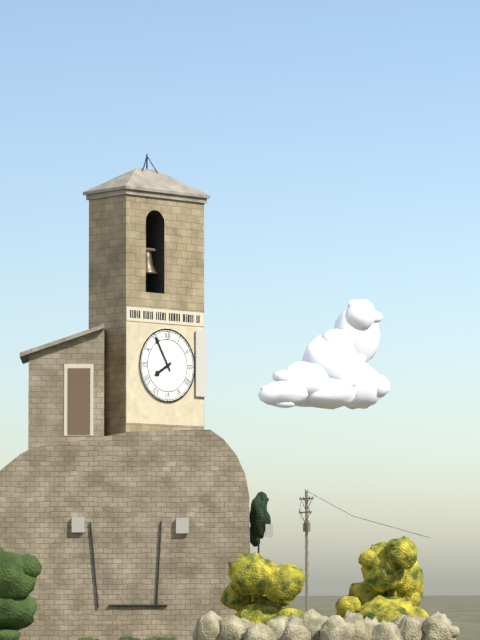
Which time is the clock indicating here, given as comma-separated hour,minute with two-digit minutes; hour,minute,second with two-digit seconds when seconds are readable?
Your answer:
7,55
